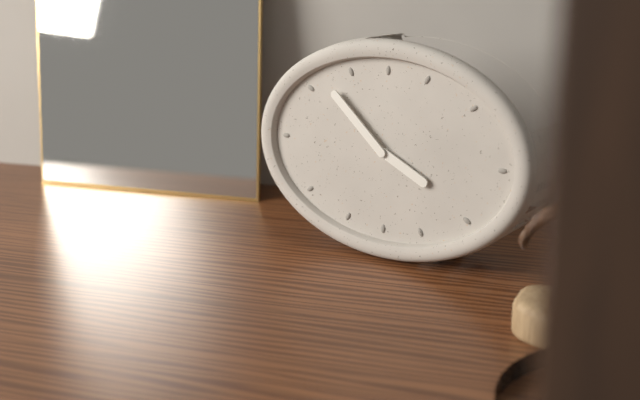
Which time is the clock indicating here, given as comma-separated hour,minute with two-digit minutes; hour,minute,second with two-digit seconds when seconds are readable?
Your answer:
3,52
